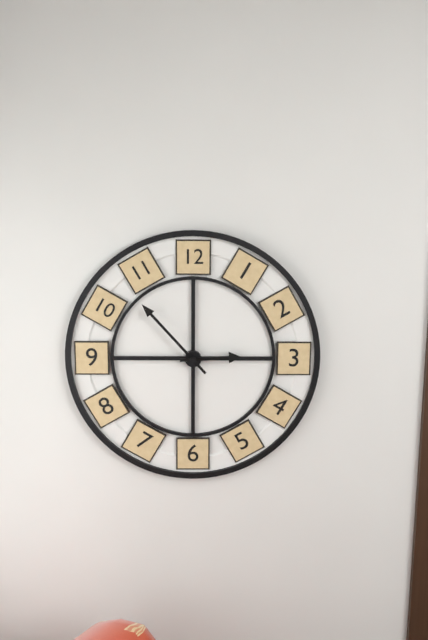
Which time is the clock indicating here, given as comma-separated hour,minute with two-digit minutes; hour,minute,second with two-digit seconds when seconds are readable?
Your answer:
2,53
